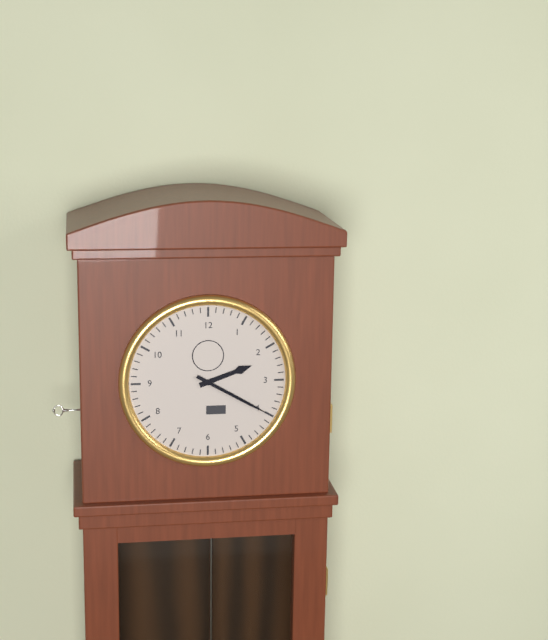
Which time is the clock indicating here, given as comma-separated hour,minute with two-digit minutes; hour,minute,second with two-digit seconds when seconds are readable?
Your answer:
2,20
